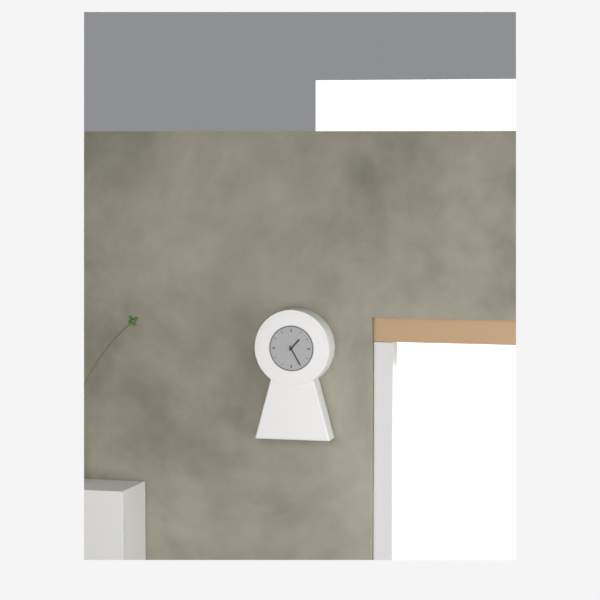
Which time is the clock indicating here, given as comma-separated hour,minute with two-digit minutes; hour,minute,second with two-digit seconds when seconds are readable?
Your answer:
1,25
